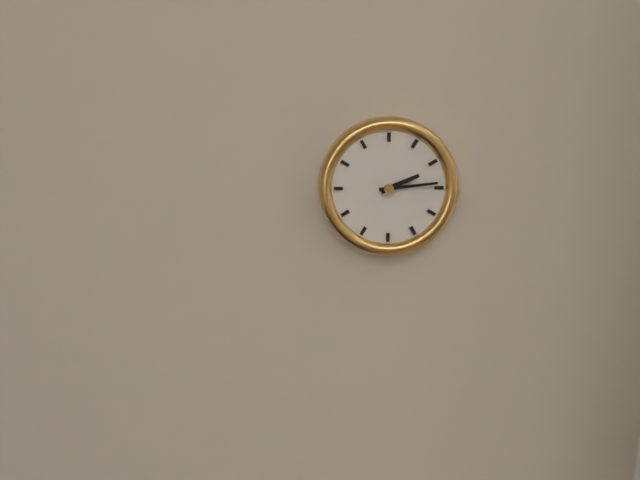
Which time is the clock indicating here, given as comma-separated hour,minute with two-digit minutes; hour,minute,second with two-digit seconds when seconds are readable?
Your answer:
2,14
